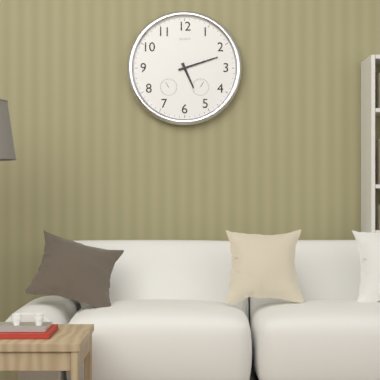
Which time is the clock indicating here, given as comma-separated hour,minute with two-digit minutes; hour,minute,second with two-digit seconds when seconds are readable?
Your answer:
5,12
